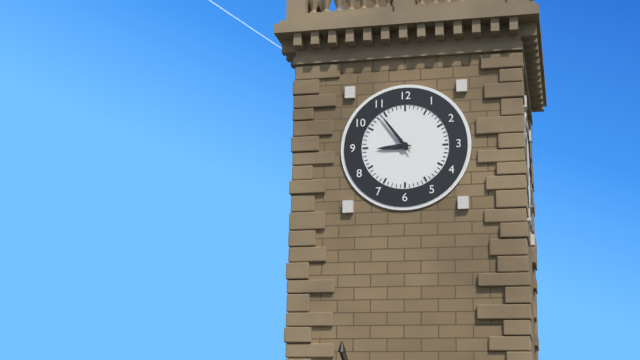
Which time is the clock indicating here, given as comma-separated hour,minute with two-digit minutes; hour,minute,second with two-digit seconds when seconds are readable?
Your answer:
8,54
